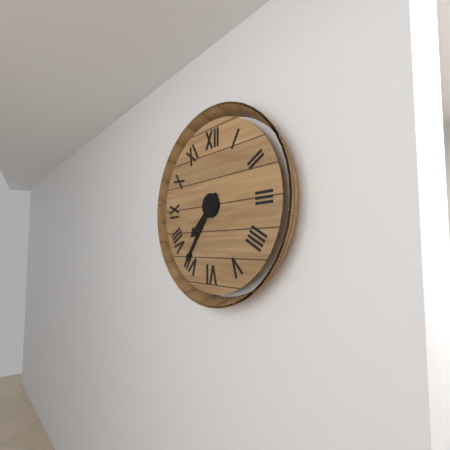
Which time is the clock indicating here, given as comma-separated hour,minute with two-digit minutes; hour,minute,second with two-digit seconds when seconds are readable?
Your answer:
7,36
